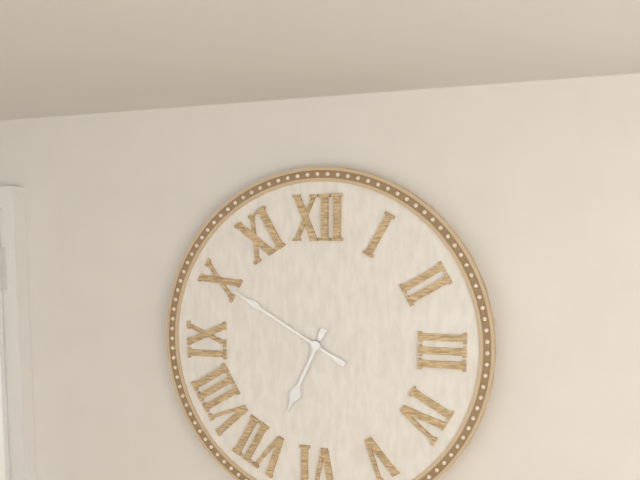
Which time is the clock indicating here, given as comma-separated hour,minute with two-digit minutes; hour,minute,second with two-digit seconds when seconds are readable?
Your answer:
6,50
